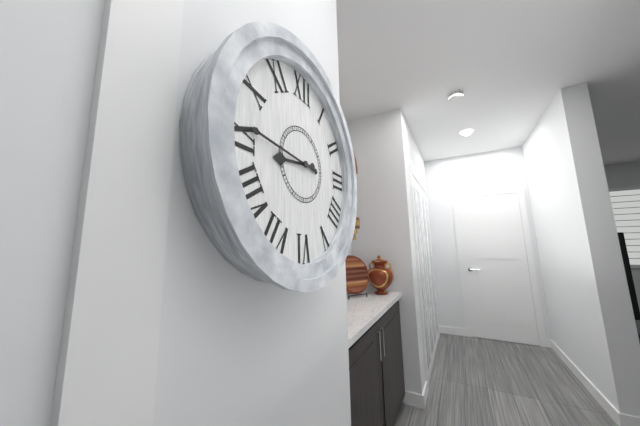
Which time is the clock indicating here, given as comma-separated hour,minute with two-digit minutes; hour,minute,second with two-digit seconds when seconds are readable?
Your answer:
8,46
